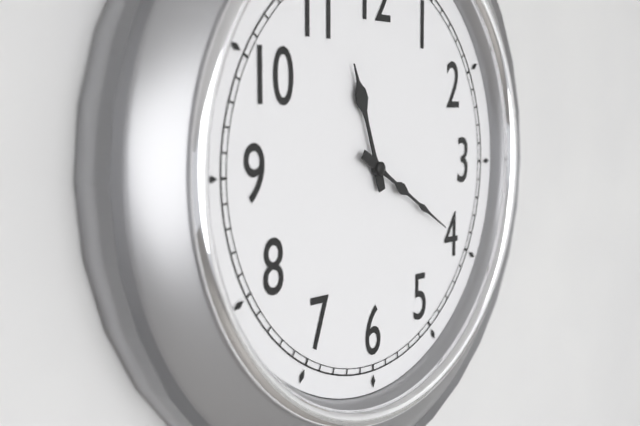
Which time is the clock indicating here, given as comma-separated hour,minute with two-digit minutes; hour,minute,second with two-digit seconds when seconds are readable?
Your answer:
11,20
